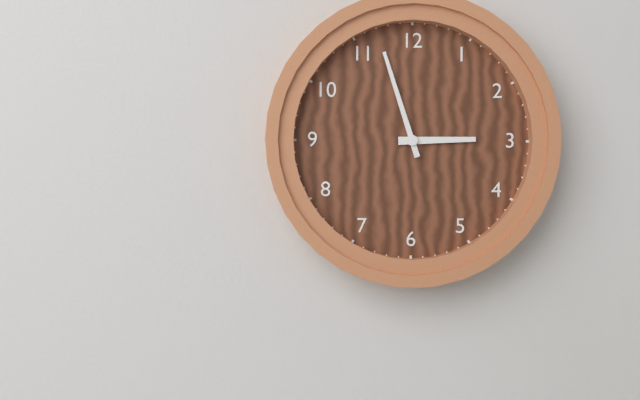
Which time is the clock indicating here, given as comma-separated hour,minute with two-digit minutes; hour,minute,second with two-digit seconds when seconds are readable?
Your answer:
2,57
